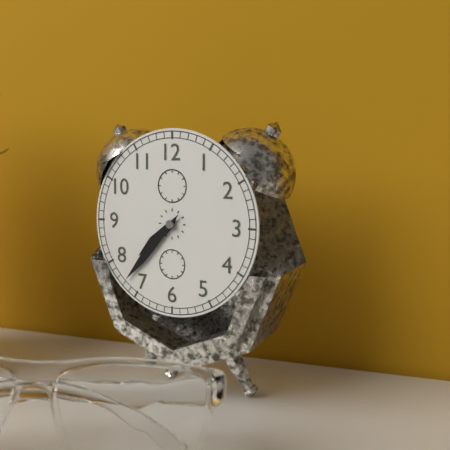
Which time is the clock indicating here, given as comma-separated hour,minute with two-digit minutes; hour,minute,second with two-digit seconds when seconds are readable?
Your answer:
7,37
